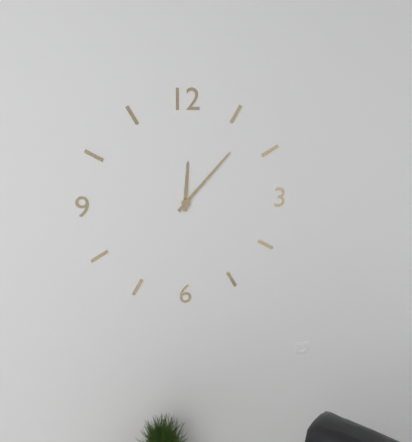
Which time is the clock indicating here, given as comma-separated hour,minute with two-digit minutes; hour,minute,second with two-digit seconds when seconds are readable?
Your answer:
12,07
